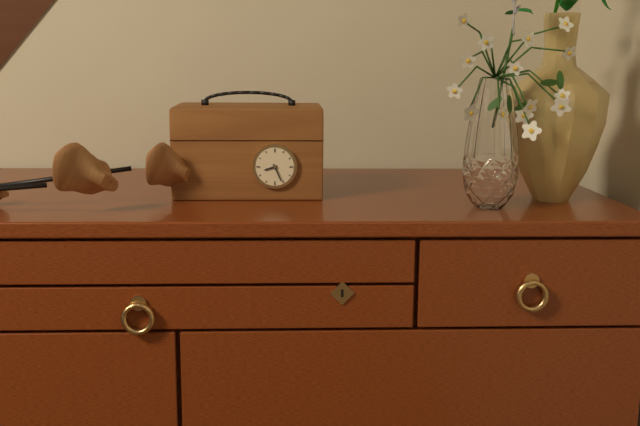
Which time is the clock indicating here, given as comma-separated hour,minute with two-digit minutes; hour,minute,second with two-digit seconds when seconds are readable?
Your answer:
8,26
